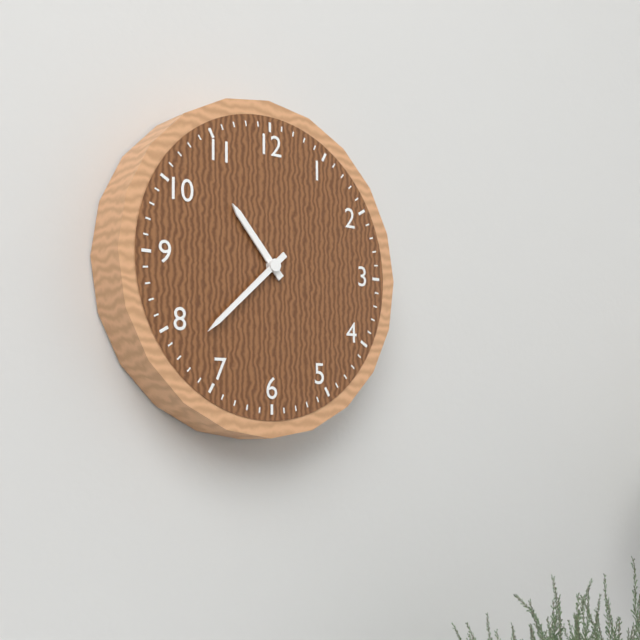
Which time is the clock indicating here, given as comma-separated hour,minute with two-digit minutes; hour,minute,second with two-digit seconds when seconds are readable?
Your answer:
10,38
